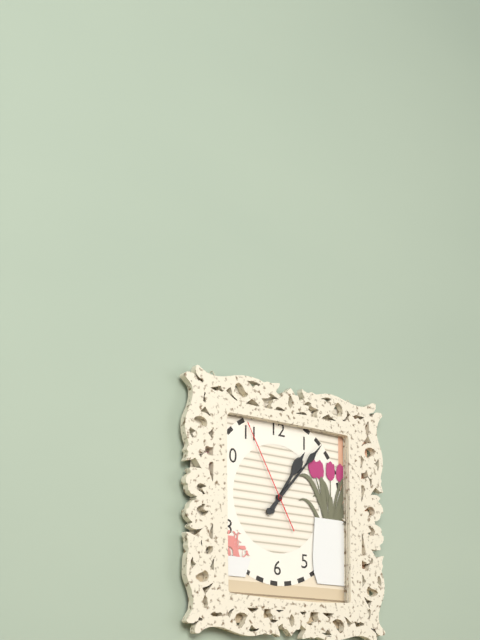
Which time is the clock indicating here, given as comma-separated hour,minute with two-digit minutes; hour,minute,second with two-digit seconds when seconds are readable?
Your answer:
1,07,55
